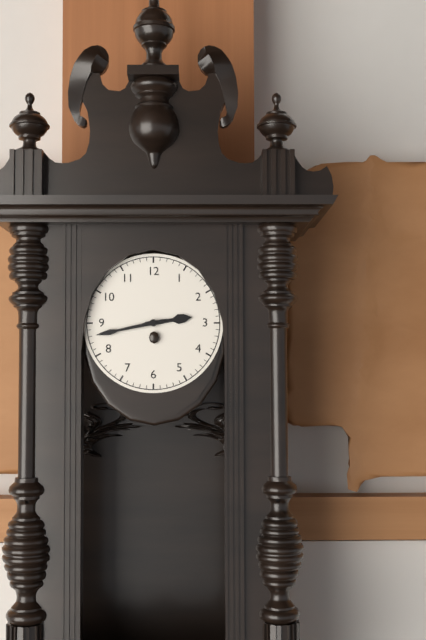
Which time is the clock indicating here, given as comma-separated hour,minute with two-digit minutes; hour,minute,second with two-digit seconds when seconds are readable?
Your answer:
2,43
